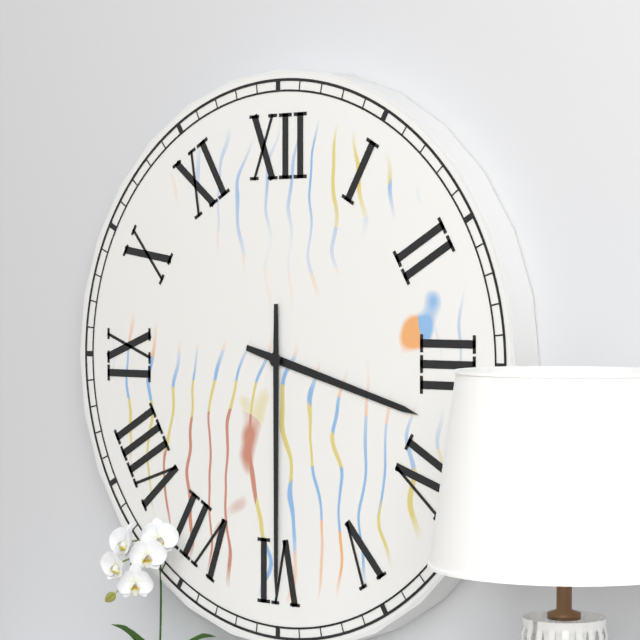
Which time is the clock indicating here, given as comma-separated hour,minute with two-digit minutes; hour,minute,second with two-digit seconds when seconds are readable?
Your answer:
3,30
